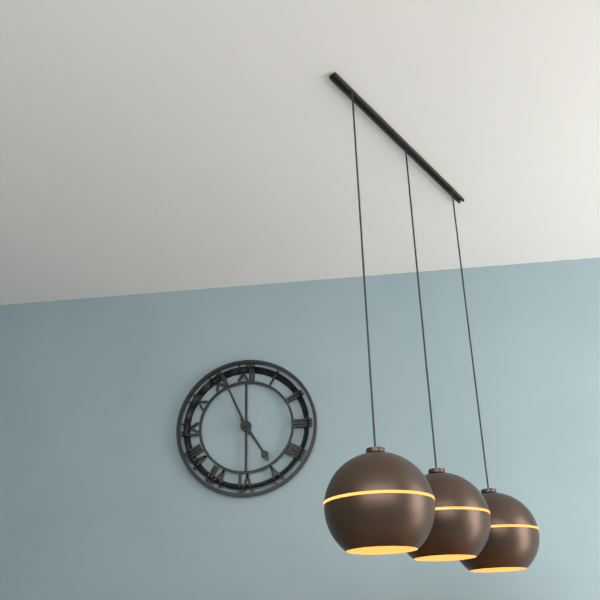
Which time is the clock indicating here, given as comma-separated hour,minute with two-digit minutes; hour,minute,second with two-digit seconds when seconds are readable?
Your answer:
4,56
